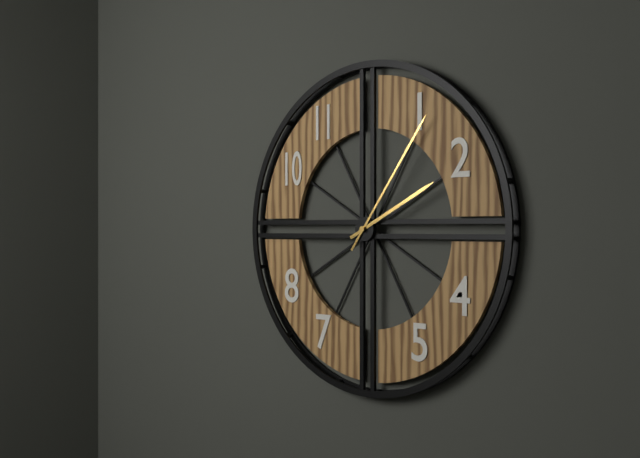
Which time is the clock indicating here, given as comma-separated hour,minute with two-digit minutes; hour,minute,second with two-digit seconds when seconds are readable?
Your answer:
2,06
